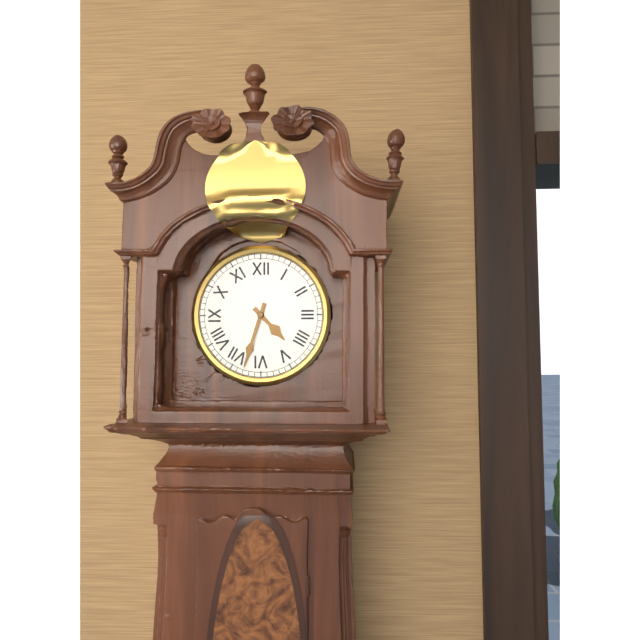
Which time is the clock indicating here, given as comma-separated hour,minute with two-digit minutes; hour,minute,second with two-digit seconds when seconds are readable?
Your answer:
4,33
